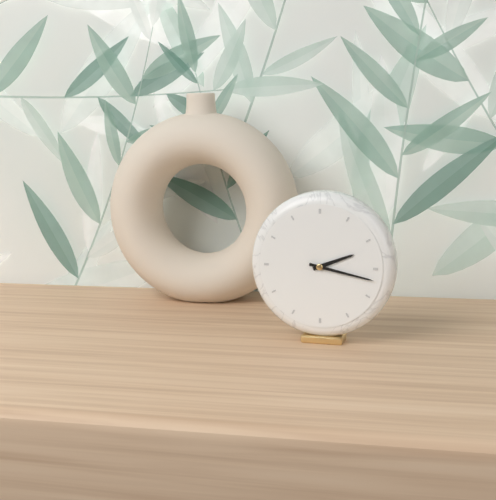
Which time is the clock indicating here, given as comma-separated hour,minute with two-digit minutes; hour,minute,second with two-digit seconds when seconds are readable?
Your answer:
2,17
